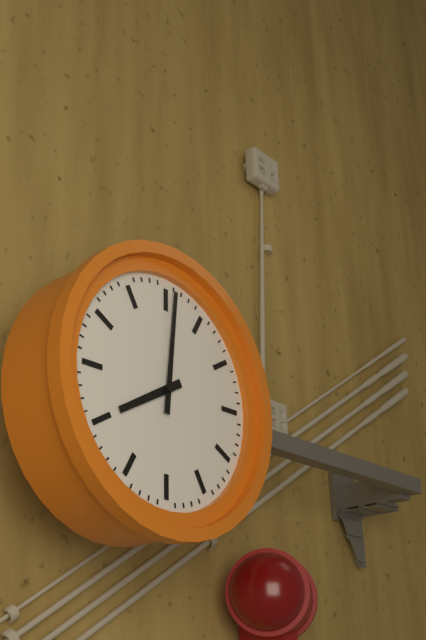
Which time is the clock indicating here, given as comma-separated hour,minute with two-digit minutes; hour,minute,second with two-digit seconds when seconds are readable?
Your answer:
8,01
